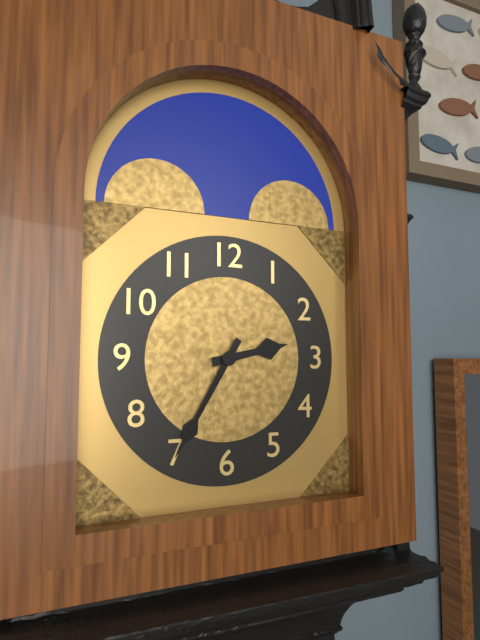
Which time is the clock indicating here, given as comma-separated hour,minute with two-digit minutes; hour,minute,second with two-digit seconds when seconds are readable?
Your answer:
2,35
